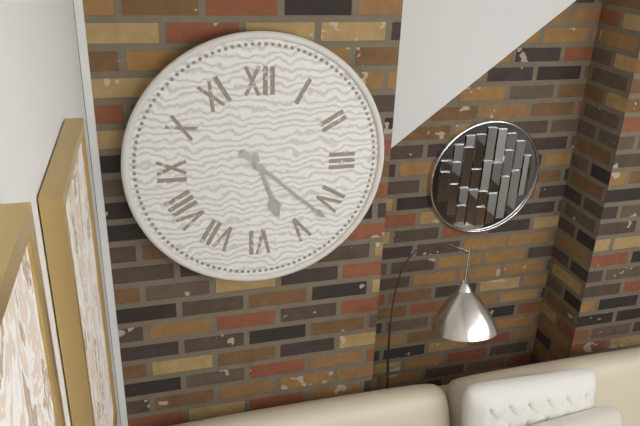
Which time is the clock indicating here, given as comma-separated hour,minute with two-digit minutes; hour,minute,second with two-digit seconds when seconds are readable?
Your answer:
5,22
